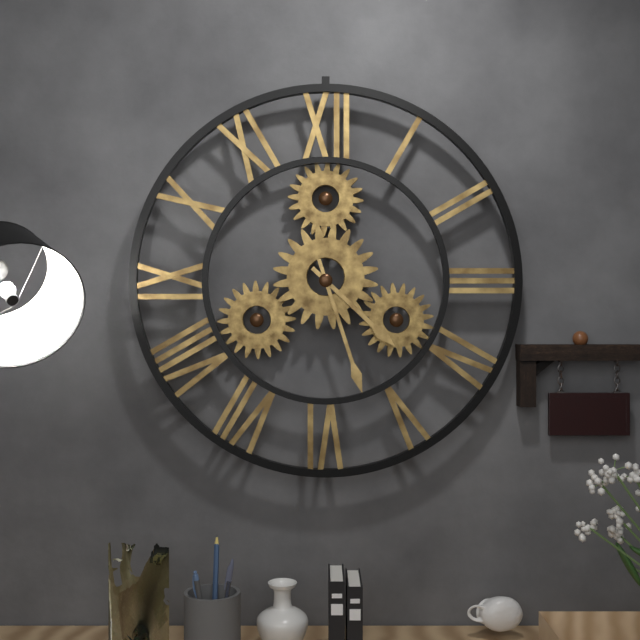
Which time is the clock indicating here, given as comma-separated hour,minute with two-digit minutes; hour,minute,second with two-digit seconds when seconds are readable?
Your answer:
4,27
